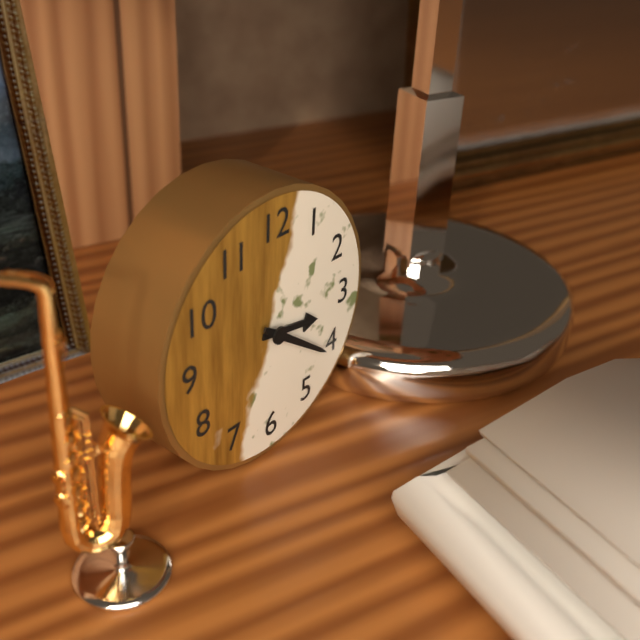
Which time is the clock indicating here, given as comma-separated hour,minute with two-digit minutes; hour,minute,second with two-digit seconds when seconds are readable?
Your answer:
3,21
